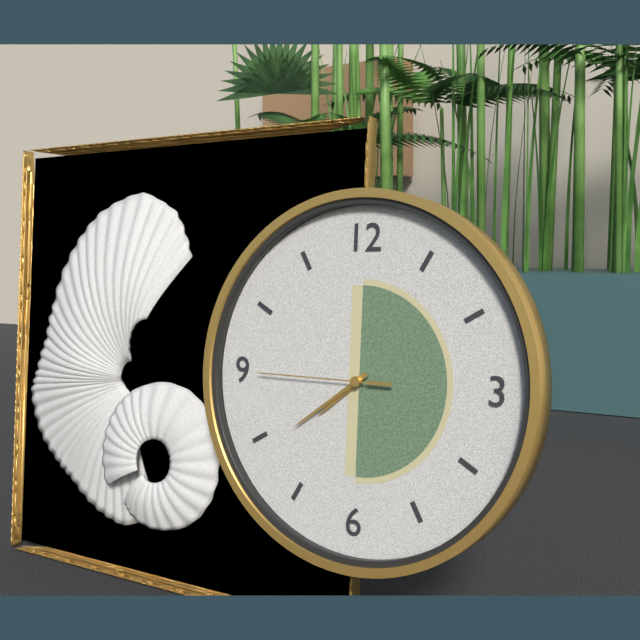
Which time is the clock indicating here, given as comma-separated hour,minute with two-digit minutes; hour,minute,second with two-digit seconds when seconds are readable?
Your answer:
7,39,45
